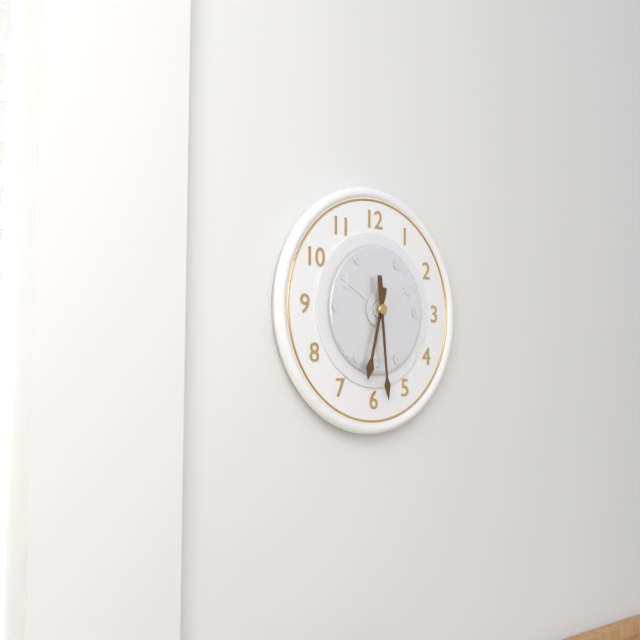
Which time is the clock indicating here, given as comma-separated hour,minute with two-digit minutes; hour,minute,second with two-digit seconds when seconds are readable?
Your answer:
6,29
